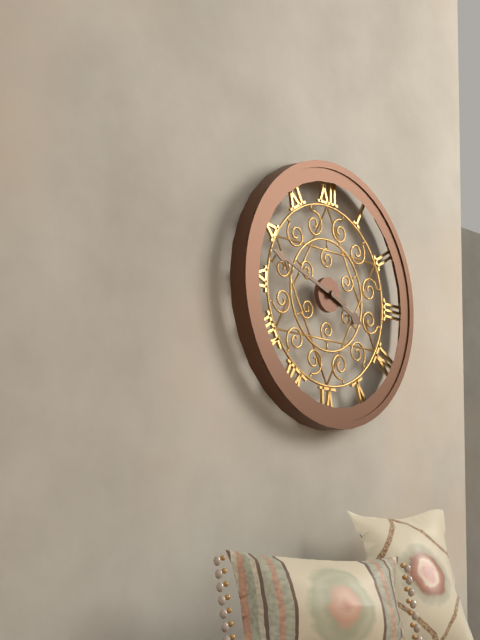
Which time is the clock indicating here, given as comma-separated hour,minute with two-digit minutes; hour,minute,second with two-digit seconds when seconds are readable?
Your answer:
3,48
